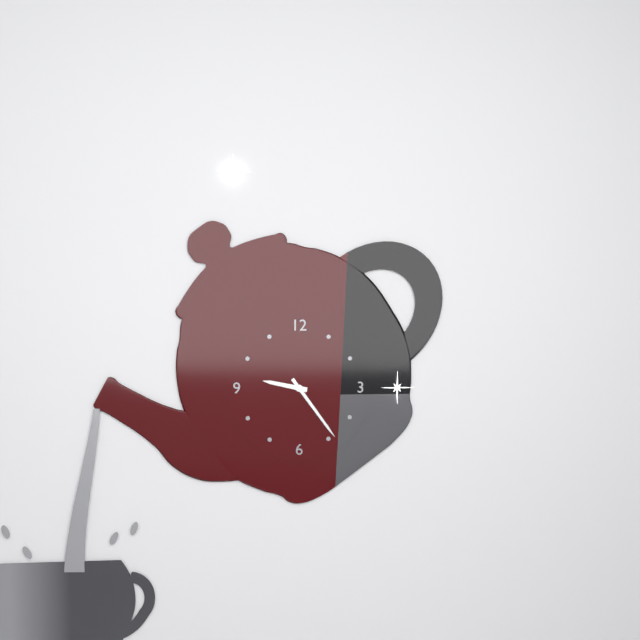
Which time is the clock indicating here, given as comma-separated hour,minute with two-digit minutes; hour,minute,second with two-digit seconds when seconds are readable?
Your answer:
9,24
